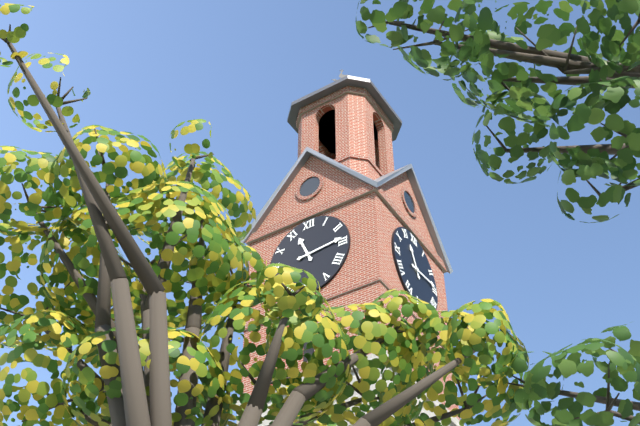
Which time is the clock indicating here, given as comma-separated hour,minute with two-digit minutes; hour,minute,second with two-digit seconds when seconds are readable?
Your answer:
11,14
